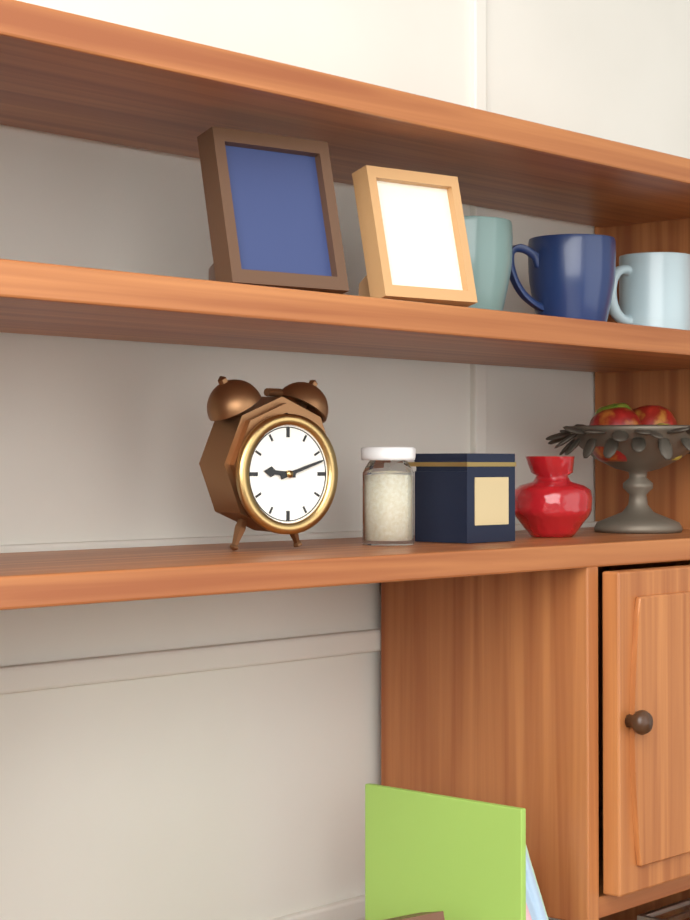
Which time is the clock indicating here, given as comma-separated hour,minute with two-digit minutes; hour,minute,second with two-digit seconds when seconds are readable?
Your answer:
9,12
